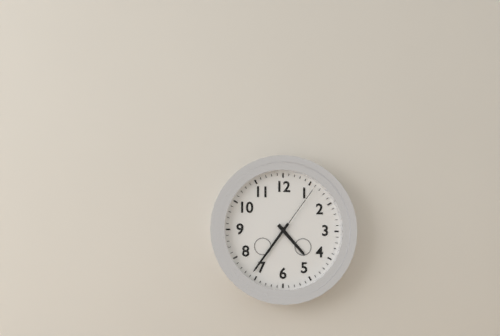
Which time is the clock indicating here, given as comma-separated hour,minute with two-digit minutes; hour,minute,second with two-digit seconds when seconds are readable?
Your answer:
4,36,06
